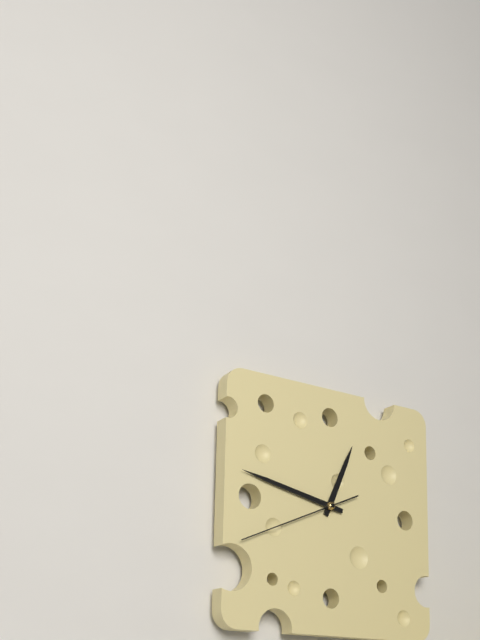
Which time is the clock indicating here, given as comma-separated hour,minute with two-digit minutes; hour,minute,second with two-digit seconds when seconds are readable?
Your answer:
12,47,41
